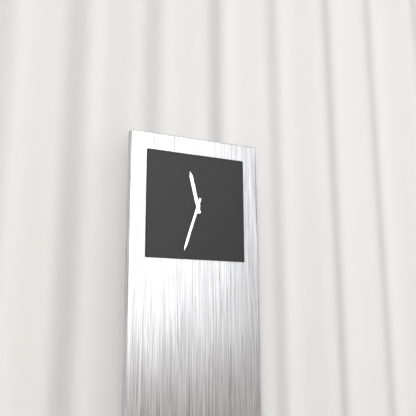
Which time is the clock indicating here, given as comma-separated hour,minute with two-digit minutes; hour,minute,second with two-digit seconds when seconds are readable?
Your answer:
11,33
